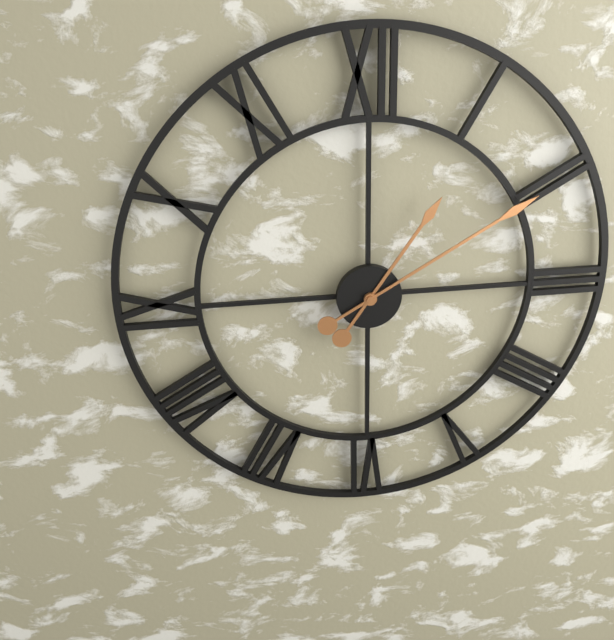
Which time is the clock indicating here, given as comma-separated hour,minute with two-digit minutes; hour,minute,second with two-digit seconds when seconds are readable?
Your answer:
1,10
